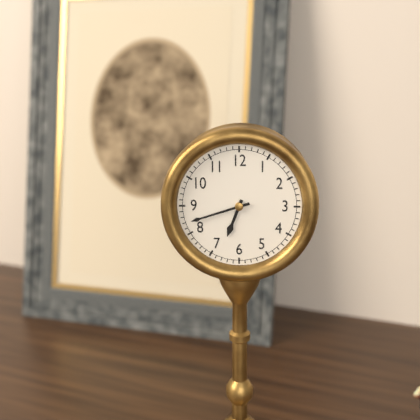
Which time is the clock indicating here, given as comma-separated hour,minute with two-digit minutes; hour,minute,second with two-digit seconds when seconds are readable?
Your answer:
6,42
